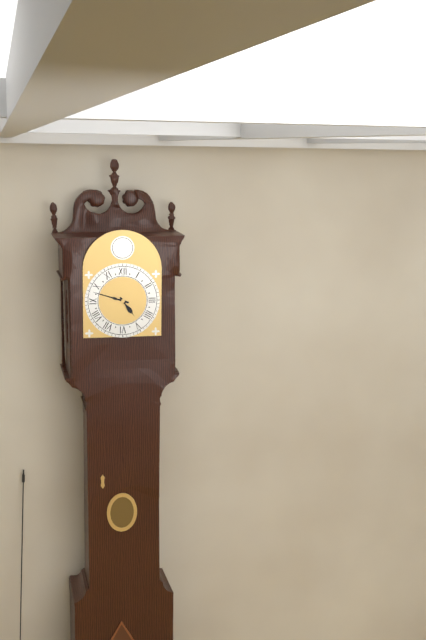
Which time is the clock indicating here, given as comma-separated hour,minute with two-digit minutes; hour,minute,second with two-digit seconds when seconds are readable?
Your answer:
4,48
